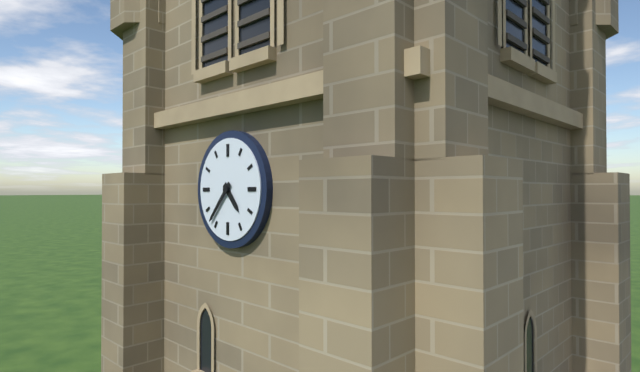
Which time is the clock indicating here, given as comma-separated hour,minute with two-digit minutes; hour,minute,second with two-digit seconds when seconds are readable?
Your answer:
4,37
